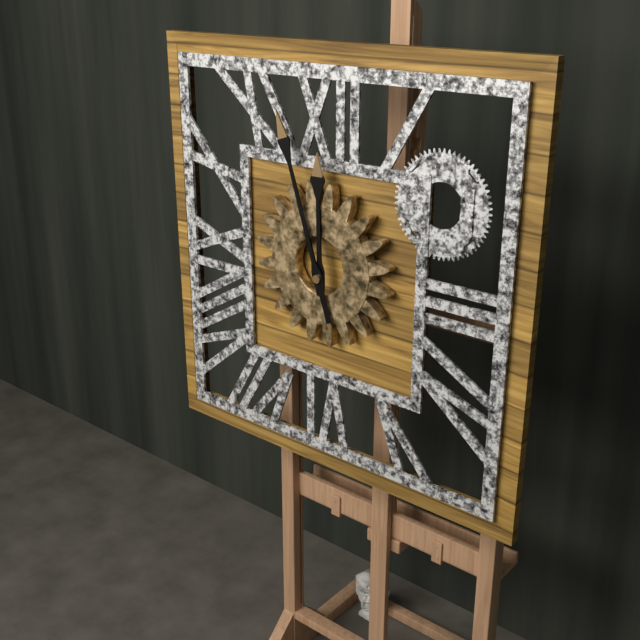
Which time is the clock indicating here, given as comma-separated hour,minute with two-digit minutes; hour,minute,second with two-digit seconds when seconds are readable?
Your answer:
11,57
